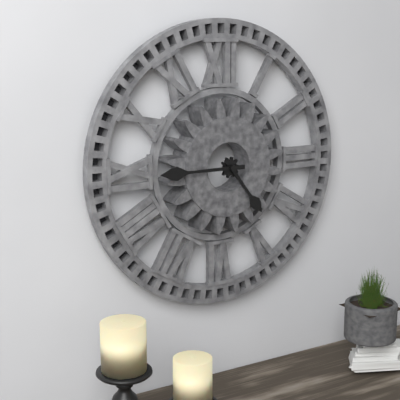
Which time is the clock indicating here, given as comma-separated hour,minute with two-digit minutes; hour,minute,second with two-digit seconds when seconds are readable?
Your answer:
4,45
